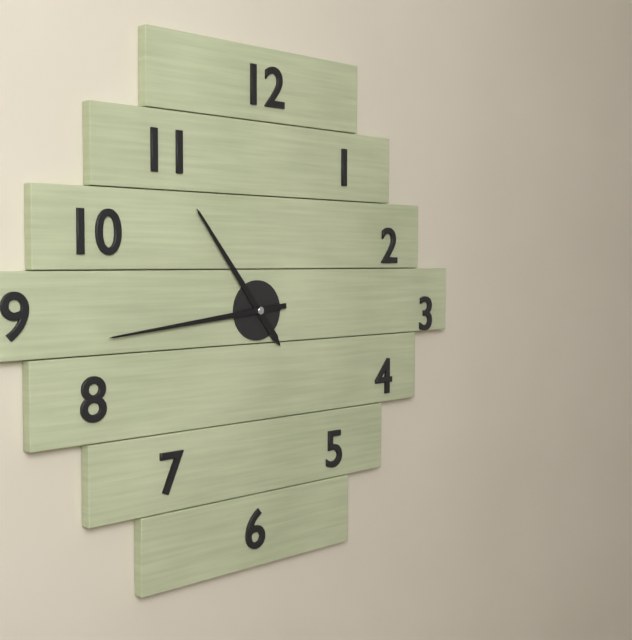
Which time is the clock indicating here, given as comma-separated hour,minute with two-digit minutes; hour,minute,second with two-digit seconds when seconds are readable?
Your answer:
10,44
